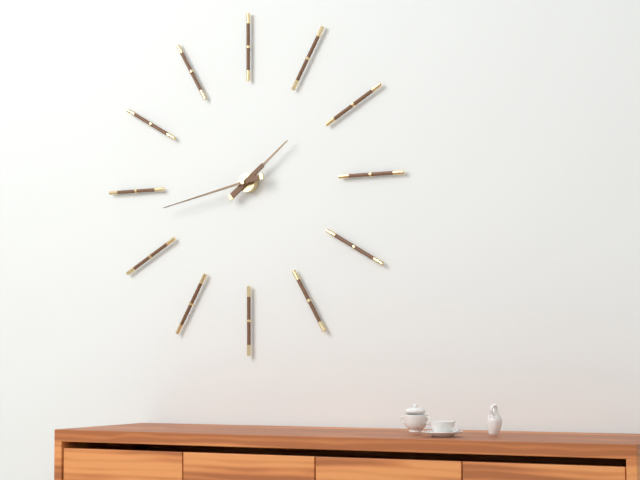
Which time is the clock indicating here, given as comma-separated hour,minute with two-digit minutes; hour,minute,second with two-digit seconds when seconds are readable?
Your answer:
1,43
